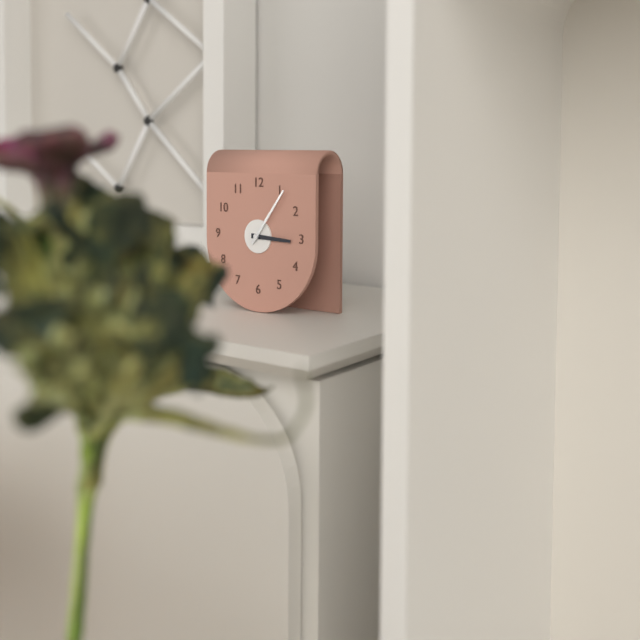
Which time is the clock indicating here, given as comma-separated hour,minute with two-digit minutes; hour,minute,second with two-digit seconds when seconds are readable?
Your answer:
3,06
